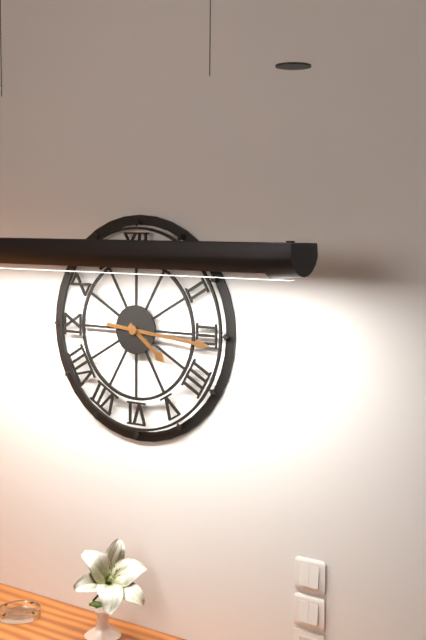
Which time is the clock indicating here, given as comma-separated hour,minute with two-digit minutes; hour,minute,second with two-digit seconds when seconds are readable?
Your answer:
4,16
